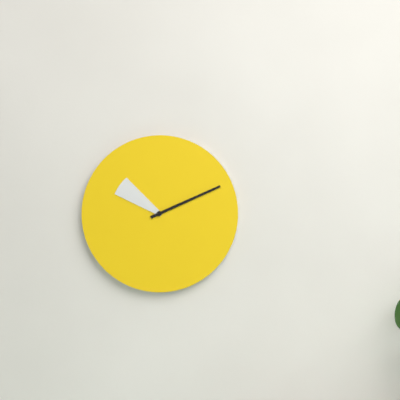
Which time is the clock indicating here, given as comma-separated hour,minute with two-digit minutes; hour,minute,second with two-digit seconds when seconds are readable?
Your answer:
10,11
